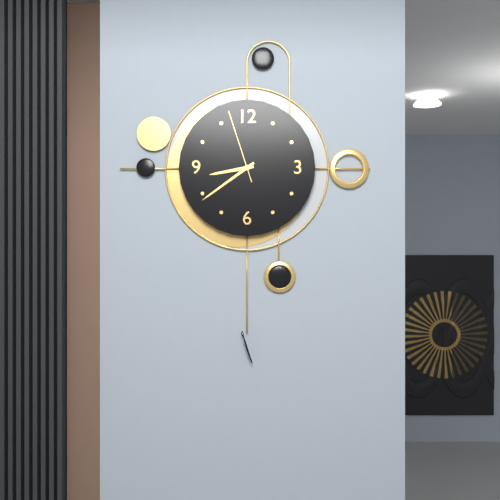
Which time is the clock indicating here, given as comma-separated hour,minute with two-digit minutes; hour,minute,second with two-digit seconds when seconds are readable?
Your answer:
8,39,57
